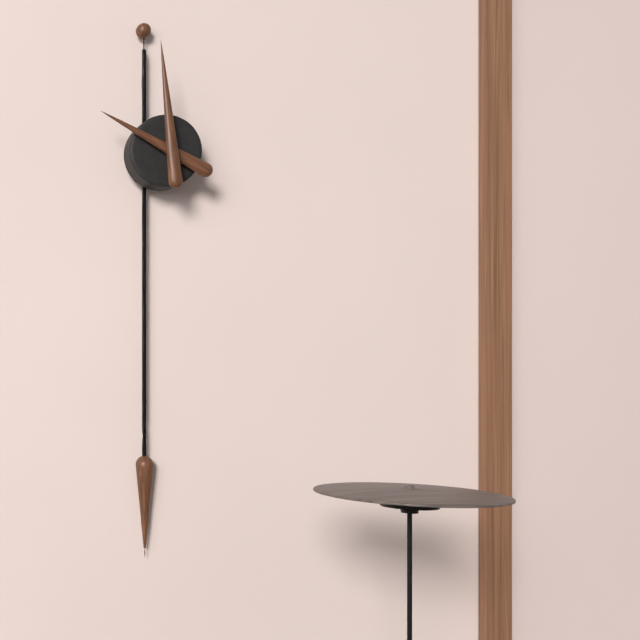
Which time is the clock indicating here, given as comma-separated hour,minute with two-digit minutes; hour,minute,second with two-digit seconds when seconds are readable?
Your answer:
9,59
